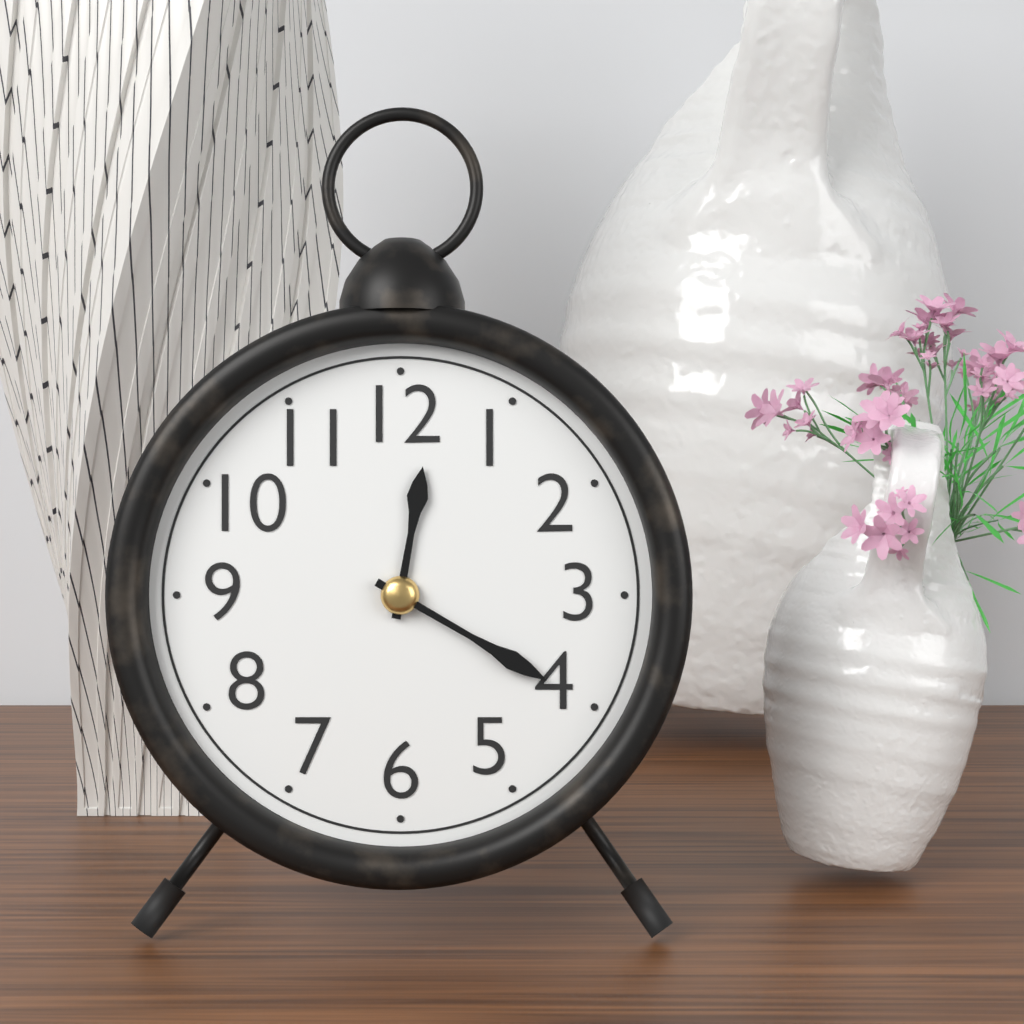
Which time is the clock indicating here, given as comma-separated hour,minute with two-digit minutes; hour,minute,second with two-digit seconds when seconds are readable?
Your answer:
12,20
